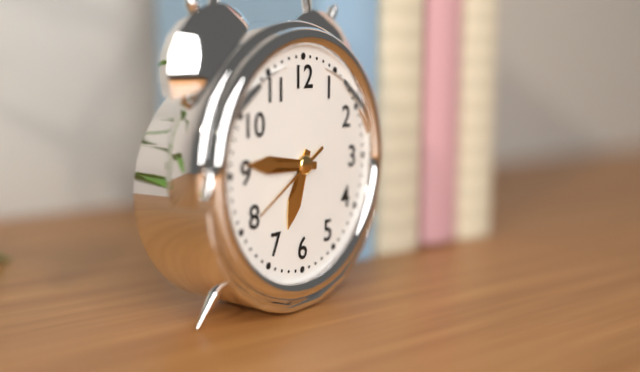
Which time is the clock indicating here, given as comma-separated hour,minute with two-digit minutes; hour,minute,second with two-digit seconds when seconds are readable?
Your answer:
6,46,40
